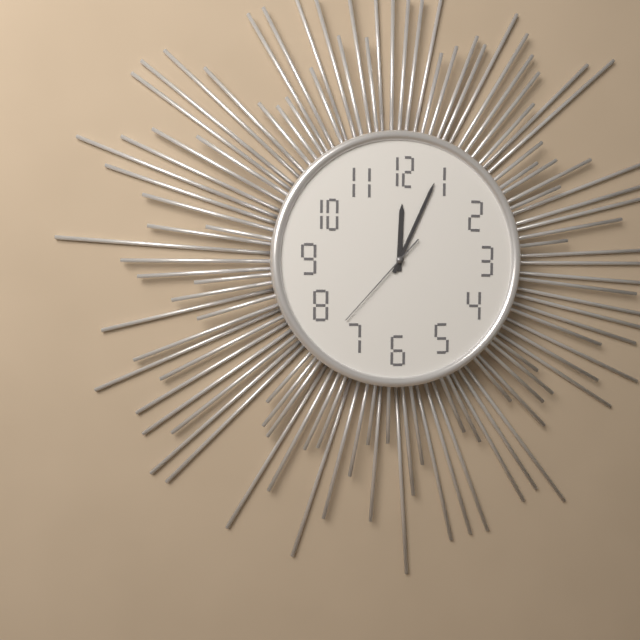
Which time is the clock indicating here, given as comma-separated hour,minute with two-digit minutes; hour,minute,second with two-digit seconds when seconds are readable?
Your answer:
12,04,37
